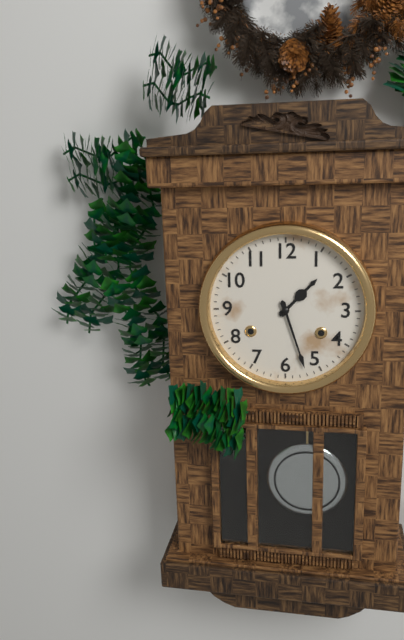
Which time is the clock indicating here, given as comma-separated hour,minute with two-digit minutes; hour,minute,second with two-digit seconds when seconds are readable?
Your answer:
1,27
